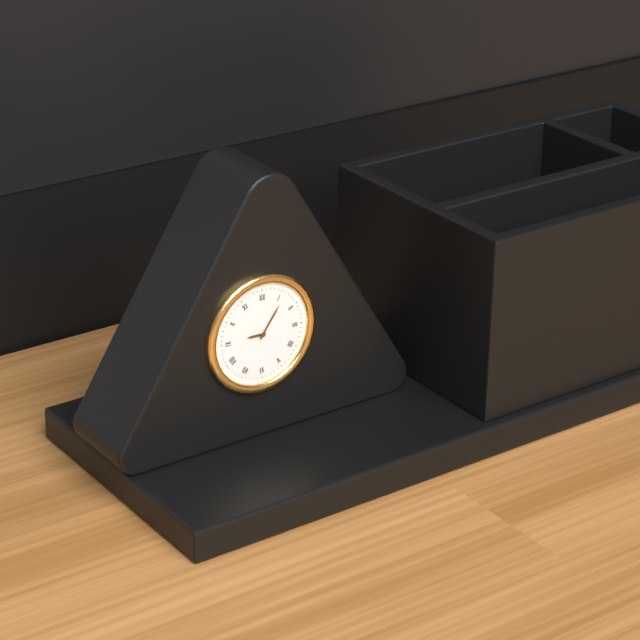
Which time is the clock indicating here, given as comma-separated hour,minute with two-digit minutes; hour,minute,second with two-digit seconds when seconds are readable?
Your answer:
9,06
